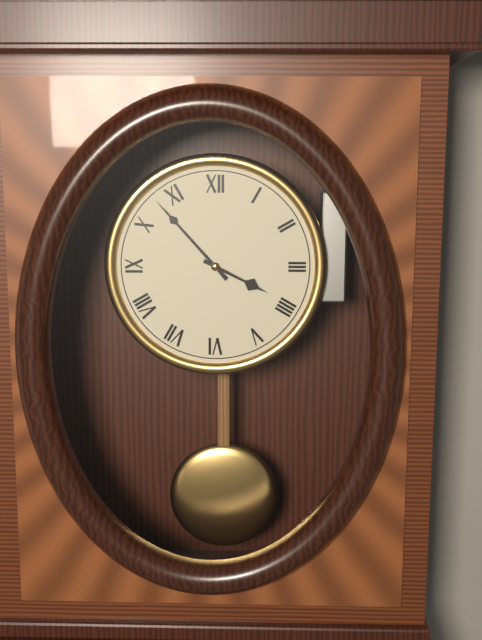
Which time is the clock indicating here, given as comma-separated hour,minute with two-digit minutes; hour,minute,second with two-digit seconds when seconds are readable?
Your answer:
3,53
